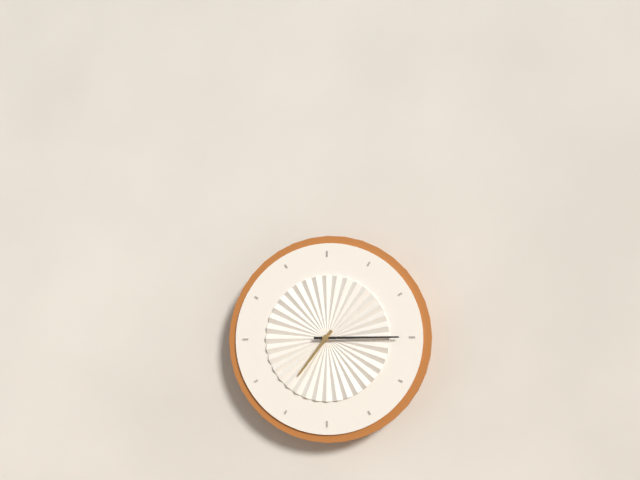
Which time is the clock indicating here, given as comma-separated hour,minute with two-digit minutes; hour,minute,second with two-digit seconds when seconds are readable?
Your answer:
7,15
